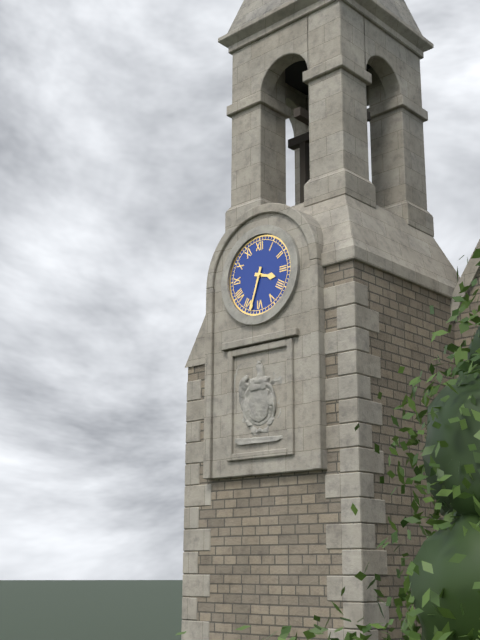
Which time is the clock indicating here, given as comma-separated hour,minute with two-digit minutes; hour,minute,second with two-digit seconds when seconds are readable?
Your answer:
3,33
